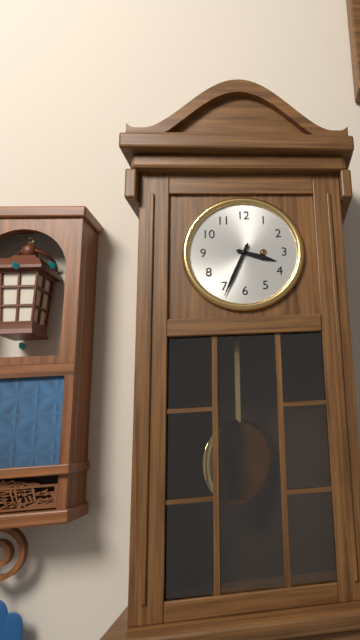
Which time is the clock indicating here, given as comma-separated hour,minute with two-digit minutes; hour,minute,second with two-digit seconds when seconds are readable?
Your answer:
3,34
